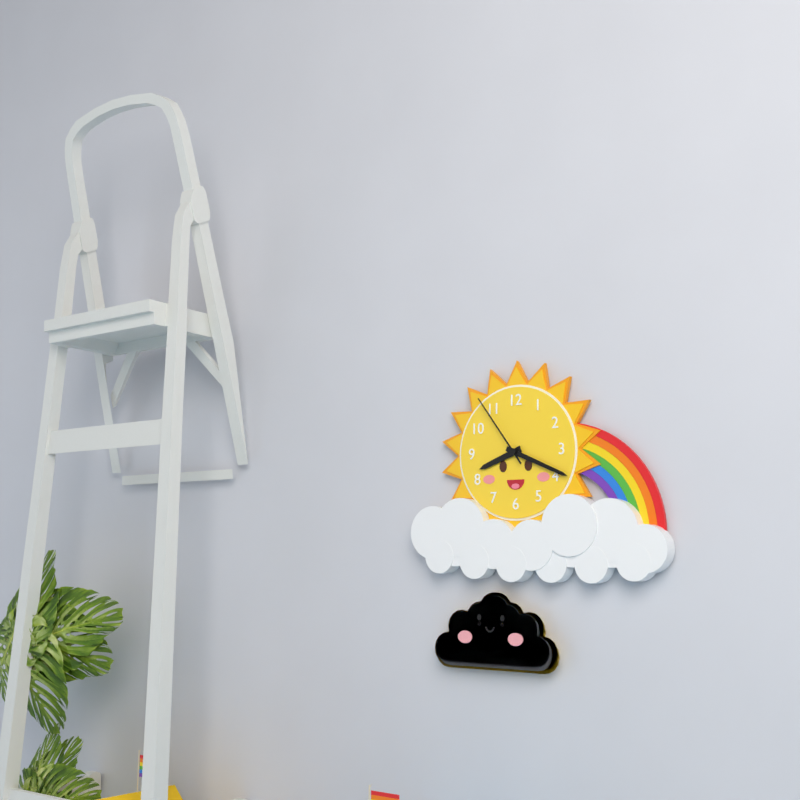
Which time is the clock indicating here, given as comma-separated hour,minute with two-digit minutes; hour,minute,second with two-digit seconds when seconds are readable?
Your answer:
8,19,54
